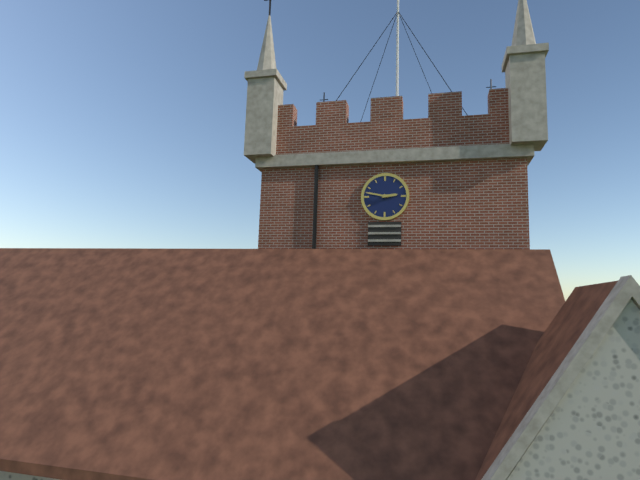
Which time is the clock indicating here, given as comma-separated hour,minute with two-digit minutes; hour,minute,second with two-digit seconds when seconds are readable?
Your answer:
2,47
